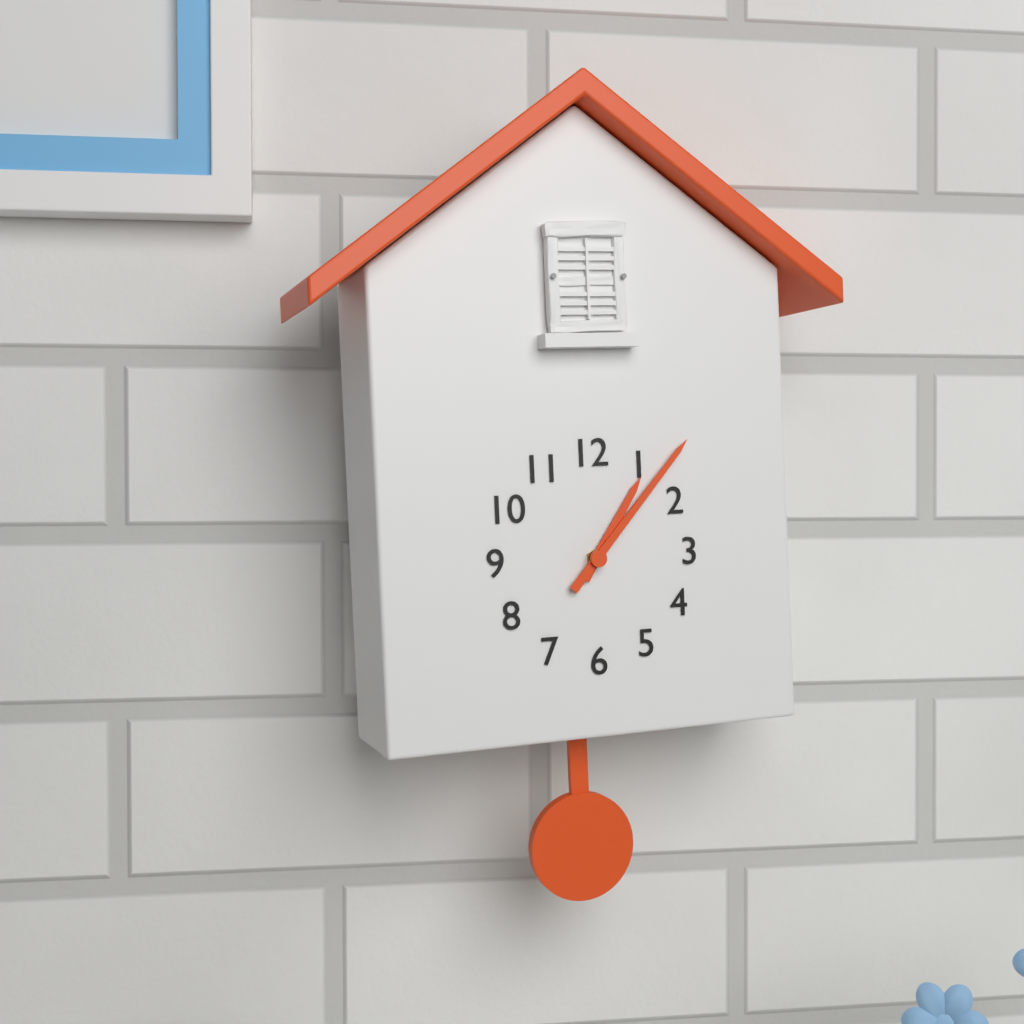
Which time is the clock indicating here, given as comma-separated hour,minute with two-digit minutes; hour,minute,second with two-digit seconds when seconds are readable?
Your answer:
1,07
